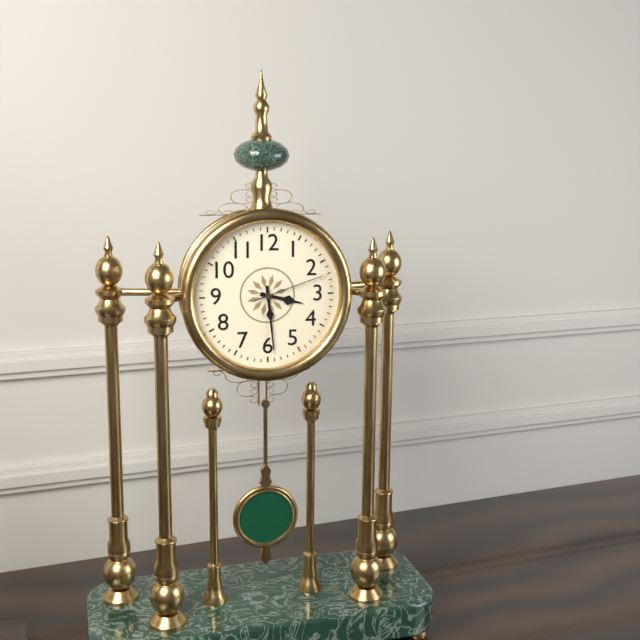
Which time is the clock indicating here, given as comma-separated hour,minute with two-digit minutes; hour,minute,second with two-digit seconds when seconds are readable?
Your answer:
3,29,12
